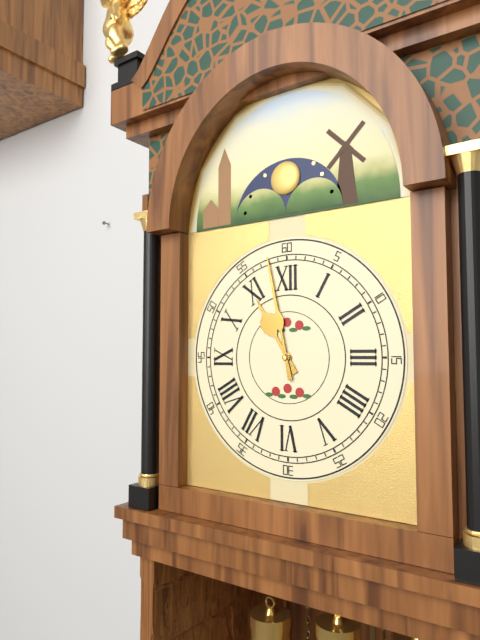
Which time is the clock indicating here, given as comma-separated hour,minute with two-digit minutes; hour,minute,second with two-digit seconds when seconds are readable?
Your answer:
10,58
